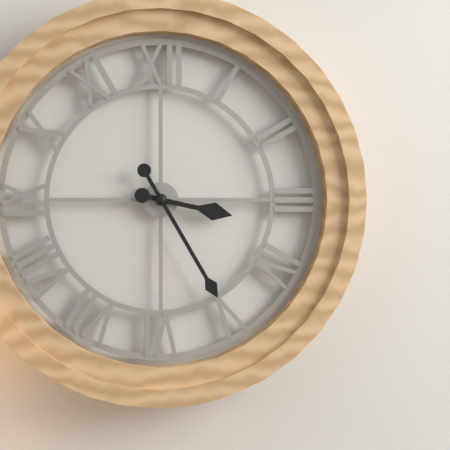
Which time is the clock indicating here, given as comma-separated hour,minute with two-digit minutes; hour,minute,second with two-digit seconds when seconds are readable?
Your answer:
3,25
